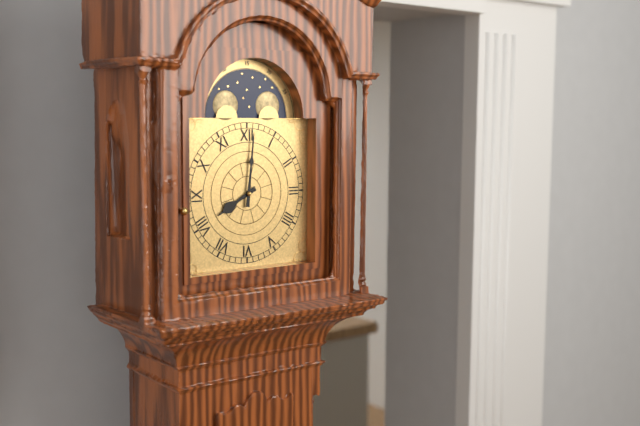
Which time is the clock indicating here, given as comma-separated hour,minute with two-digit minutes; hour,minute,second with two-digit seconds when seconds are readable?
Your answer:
8,01
